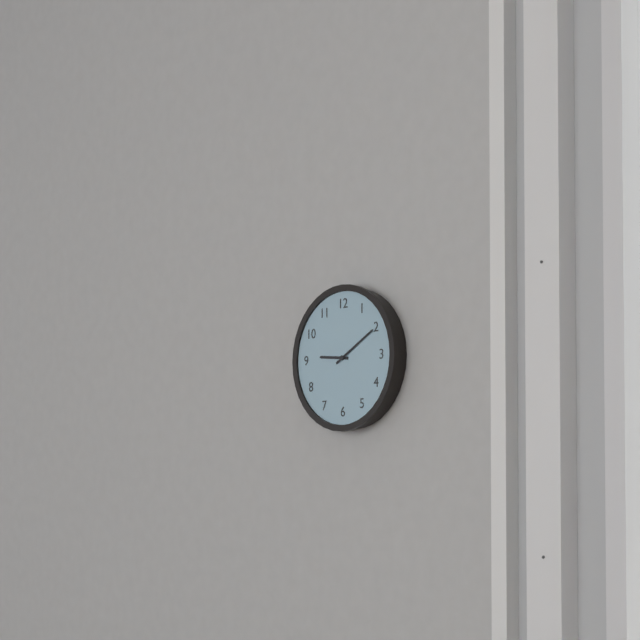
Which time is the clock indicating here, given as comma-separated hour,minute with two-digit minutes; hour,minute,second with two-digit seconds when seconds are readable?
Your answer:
9,10
